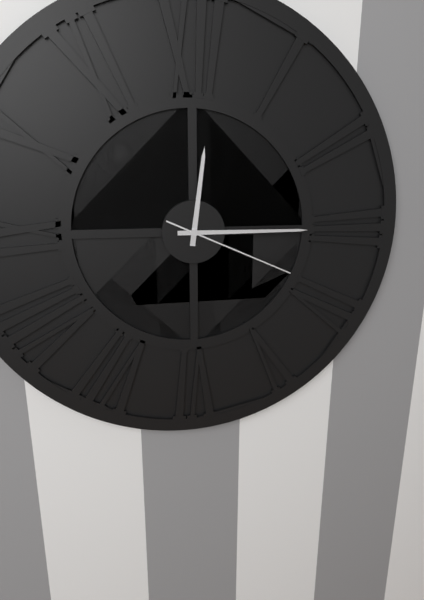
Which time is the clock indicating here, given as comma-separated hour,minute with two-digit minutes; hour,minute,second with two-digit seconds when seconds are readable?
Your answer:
12,15,19
